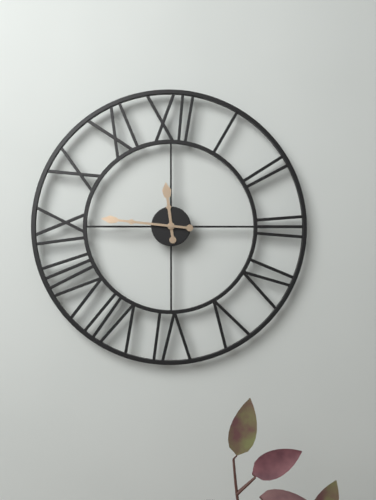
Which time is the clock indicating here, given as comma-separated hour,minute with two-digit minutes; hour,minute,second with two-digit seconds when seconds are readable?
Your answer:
11,46
